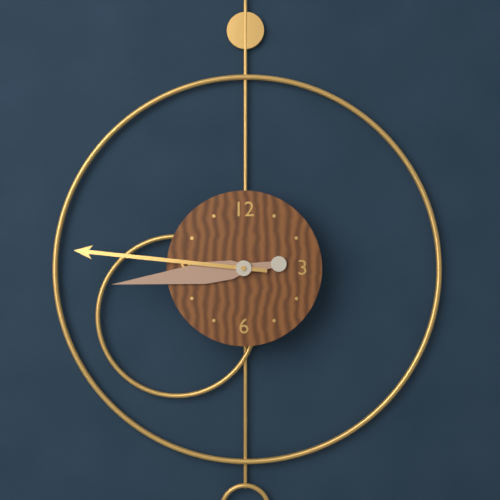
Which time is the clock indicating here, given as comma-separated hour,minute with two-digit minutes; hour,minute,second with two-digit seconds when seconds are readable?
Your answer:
8,46
